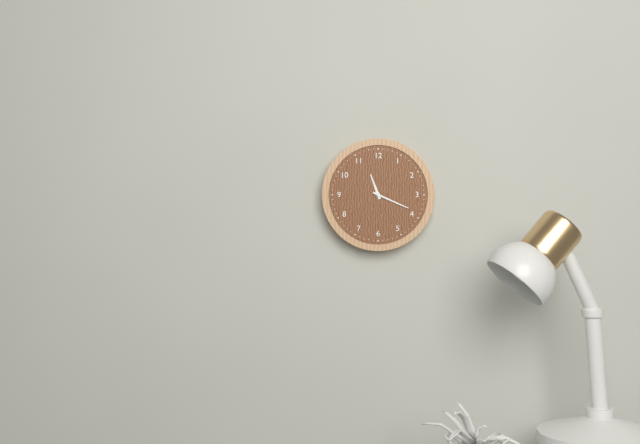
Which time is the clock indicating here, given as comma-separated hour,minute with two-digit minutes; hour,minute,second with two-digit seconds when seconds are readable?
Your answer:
11,19
